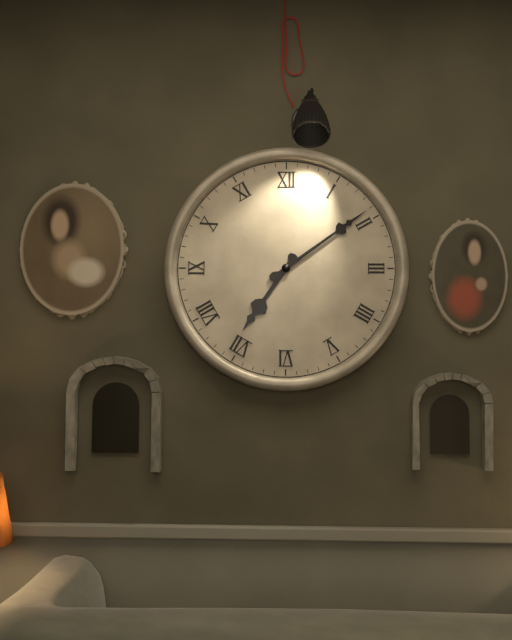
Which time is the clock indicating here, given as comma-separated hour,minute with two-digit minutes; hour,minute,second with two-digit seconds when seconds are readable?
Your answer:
7,09
